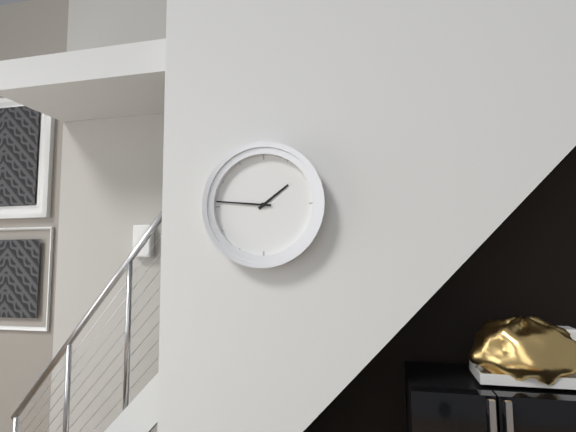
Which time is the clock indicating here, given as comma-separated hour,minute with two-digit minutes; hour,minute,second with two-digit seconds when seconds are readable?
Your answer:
1,46
